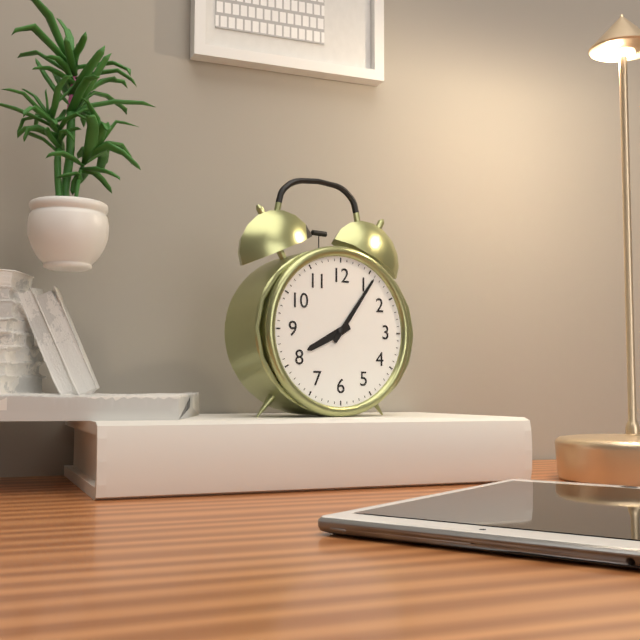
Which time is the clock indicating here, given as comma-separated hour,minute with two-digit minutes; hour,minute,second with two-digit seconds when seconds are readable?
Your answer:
8,06
